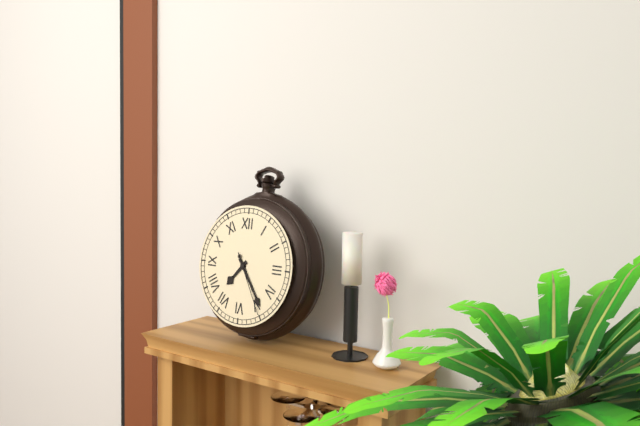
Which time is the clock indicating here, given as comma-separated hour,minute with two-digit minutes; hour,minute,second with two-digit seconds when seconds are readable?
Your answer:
7,24,25
